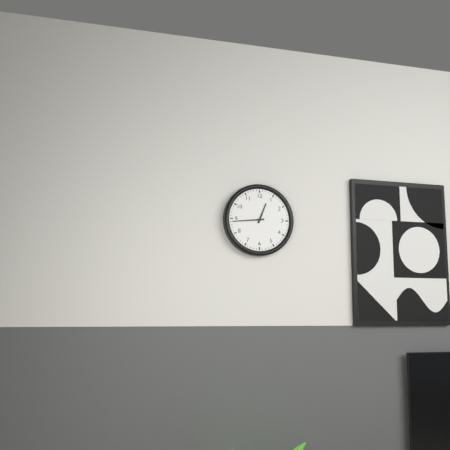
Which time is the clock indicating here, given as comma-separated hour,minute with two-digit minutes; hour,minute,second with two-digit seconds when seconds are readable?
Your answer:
12,44
